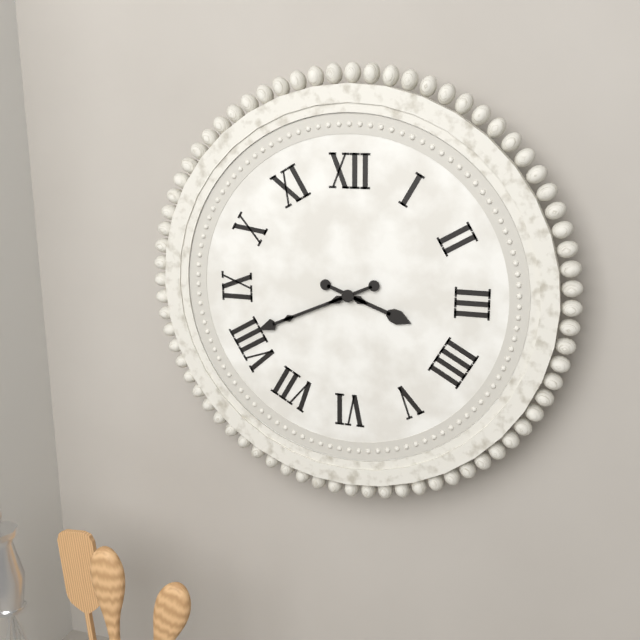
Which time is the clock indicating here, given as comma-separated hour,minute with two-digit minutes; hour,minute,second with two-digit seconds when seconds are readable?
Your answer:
3,41
